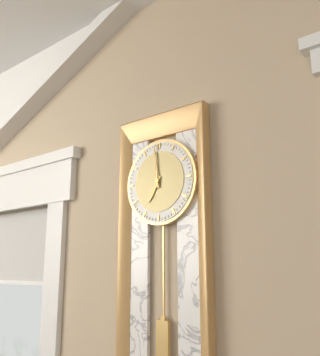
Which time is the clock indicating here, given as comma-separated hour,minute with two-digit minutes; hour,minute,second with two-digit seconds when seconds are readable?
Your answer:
6,59
